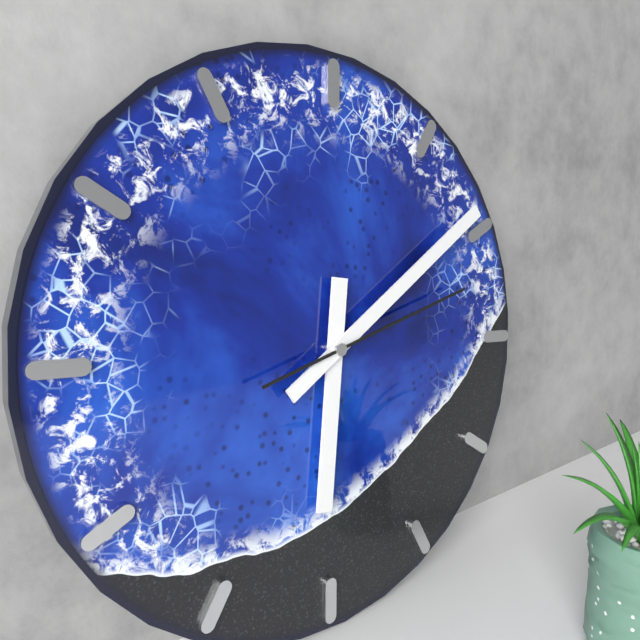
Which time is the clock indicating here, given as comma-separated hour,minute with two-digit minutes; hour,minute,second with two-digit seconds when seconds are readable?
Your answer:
6,09,12
